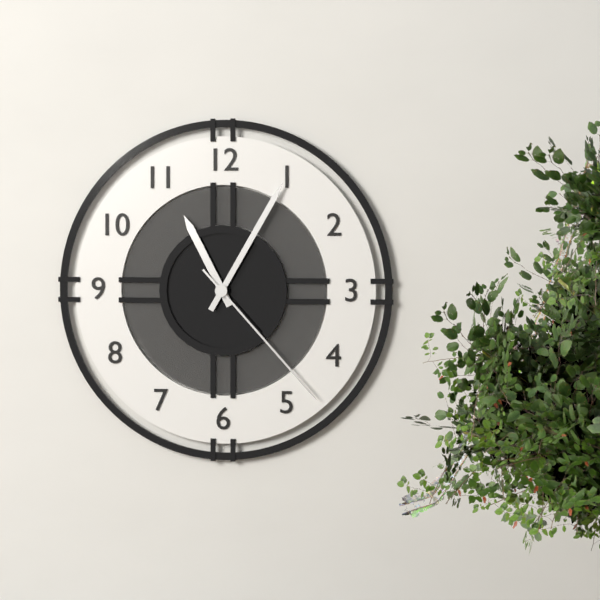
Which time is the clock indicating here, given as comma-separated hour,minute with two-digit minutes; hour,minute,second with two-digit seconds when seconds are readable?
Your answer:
11,05,23
